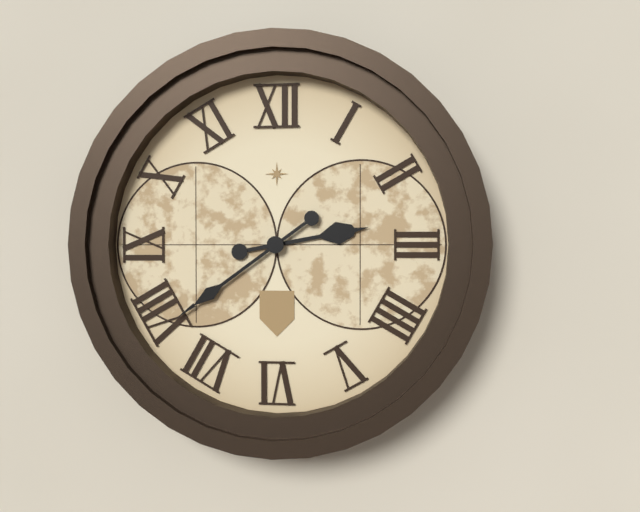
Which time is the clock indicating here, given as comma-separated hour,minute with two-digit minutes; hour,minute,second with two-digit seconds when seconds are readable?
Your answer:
2,39
